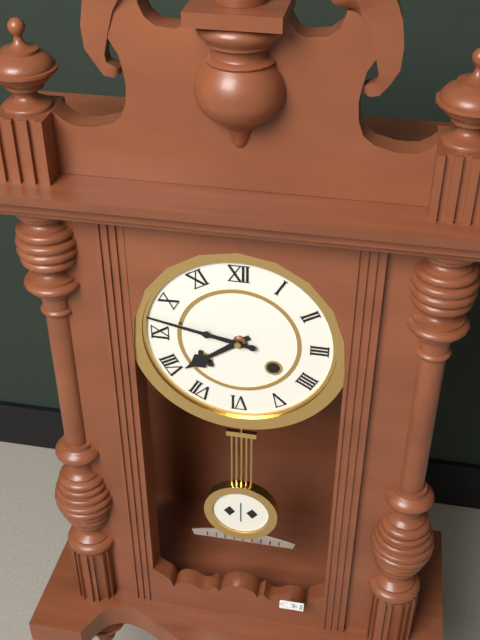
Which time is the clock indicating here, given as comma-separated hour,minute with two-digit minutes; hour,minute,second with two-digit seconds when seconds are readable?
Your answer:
7,47
